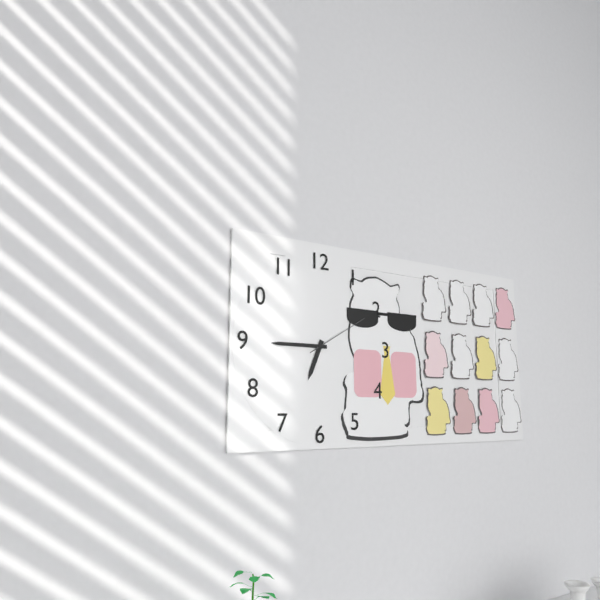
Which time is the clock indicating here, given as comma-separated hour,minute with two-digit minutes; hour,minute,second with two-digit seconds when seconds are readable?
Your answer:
6,45,10
